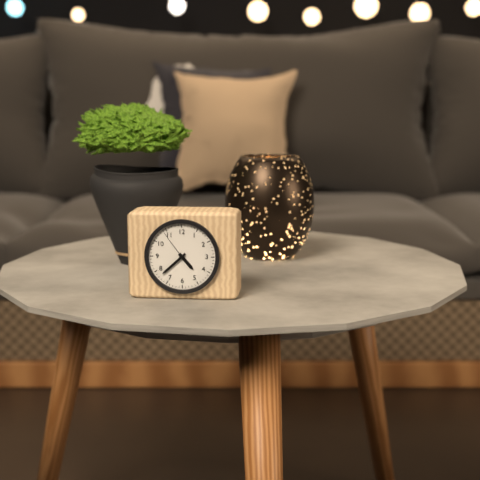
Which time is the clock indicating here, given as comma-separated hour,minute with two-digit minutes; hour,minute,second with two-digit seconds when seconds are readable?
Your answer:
4,38
